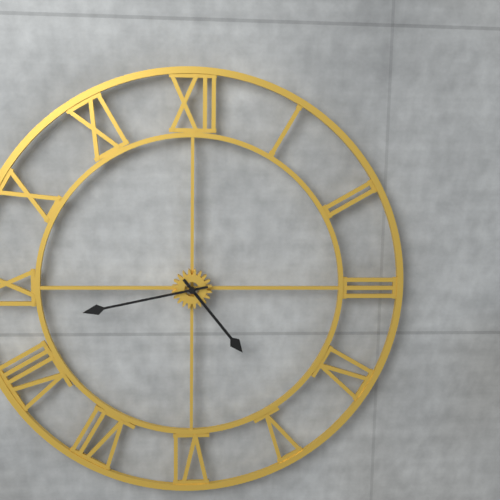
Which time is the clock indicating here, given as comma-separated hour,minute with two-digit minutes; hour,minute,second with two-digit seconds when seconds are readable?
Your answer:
4,43
